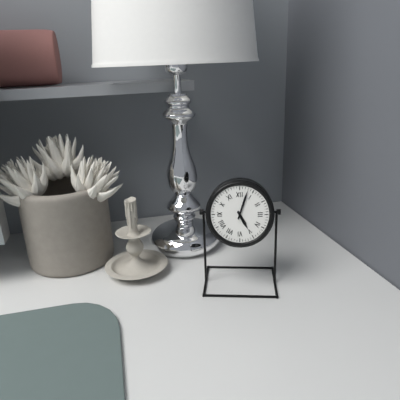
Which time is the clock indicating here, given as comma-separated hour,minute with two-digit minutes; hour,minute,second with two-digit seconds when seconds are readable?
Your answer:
5,03
